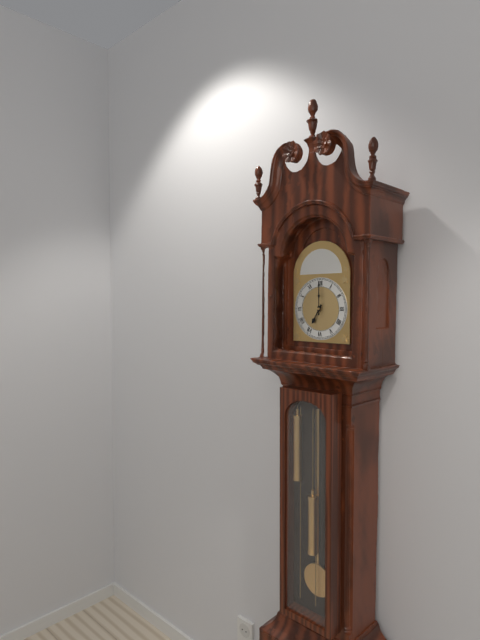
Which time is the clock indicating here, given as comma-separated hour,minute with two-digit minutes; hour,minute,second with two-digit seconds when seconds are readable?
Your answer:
7,00
